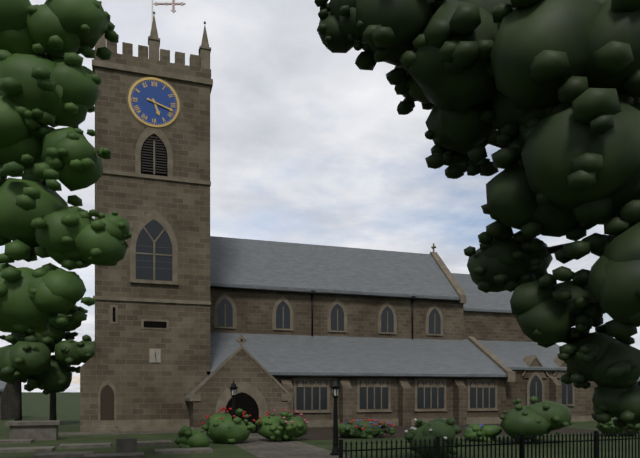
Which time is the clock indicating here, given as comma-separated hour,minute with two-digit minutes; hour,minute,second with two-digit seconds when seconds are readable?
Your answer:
5,18
